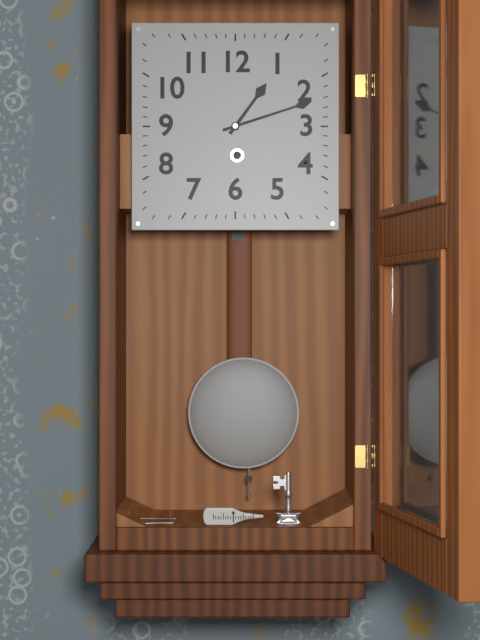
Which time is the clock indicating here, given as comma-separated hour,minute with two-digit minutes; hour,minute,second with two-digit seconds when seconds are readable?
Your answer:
1,12
